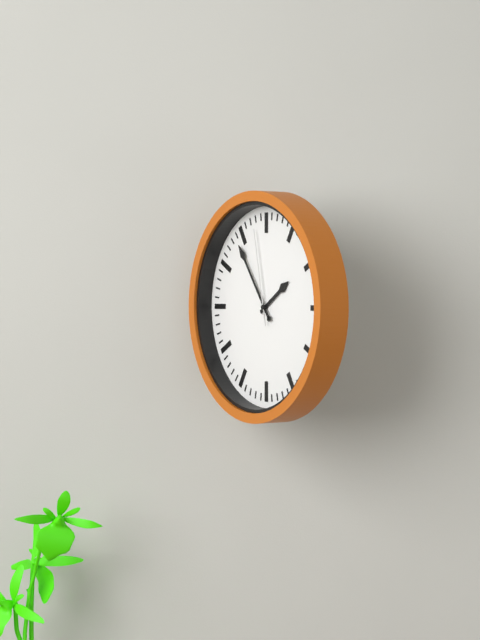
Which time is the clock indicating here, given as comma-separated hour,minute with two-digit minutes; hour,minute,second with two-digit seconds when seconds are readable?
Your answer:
1,54,58
